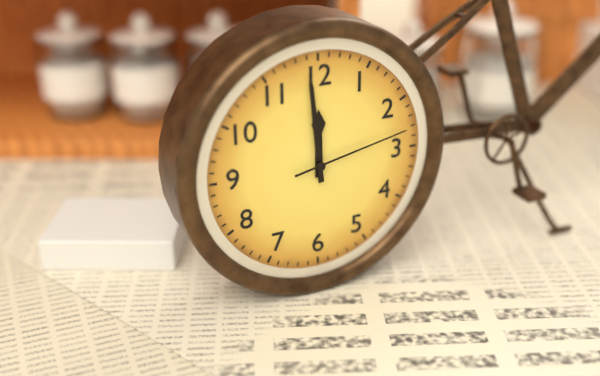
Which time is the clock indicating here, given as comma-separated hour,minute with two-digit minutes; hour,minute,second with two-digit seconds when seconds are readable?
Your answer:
11,59,13
